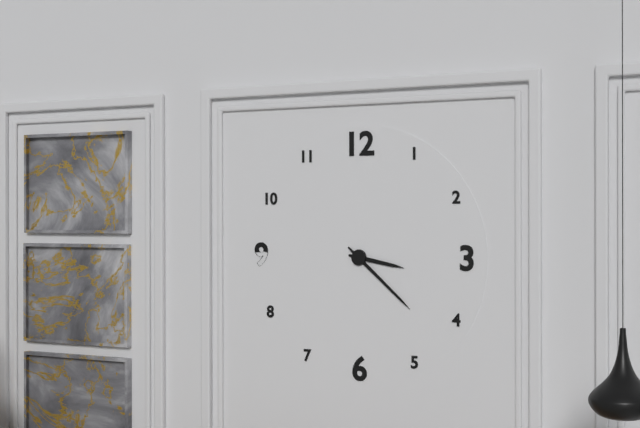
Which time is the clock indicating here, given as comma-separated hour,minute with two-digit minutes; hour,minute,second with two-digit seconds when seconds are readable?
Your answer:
3,22
